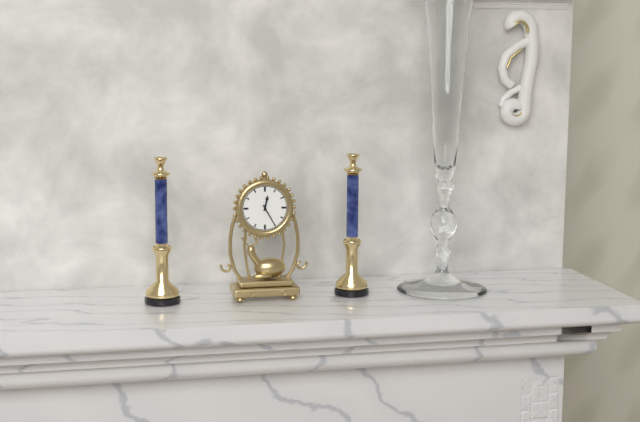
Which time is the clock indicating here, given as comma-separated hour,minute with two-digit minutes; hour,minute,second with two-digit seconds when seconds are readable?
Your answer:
12,25
